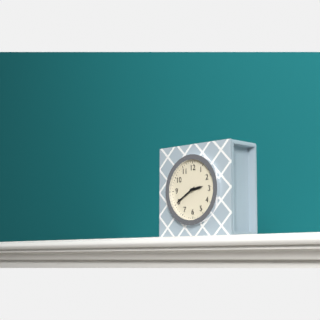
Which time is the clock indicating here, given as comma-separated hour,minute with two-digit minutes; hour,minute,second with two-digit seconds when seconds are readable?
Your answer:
2,40
